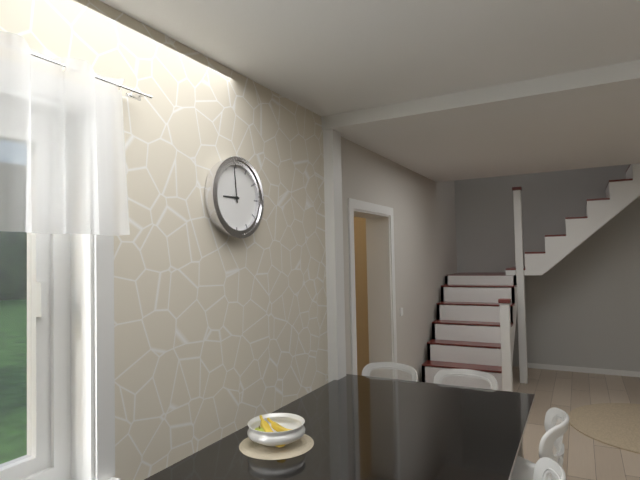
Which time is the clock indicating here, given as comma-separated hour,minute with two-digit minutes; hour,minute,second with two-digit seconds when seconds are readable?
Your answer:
8,59
